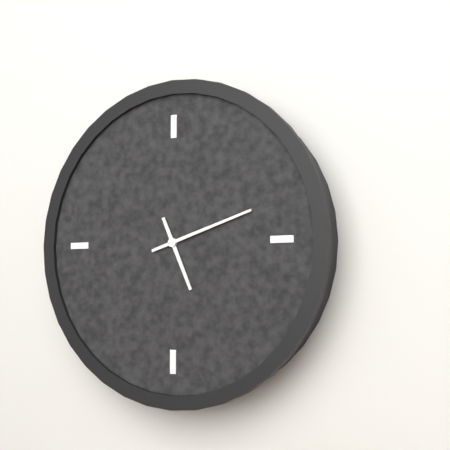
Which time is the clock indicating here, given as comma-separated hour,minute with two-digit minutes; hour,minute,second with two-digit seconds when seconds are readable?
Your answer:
5,12
